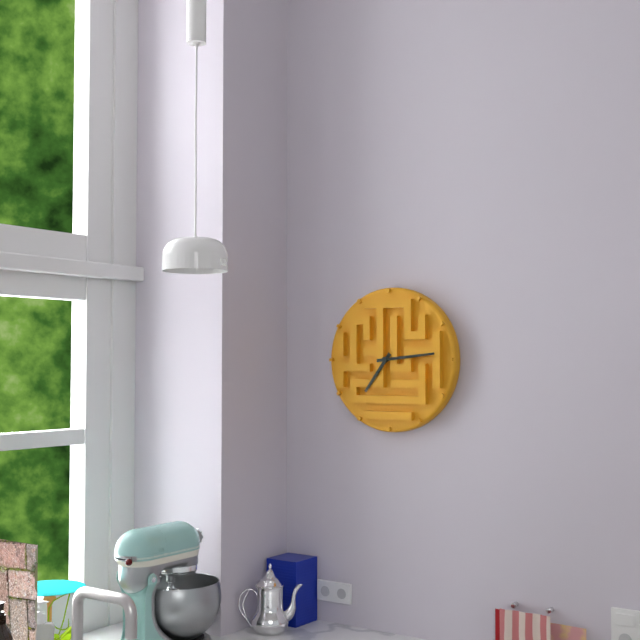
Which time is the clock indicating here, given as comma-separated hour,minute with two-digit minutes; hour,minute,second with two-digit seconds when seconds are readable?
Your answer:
7,14
